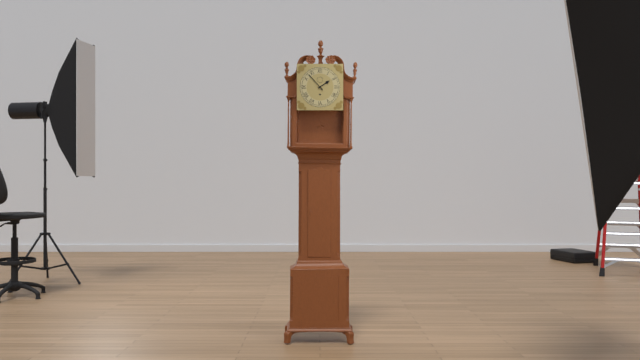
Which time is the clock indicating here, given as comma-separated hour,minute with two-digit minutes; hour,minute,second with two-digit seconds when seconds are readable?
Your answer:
1,53
